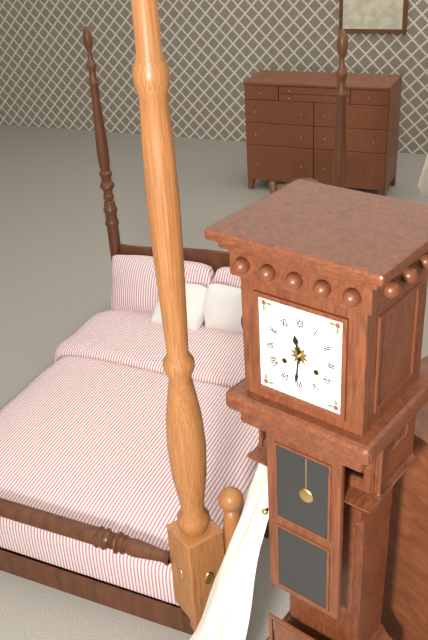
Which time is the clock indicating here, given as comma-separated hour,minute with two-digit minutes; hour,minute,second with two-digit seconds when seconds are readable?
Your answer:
11,31
